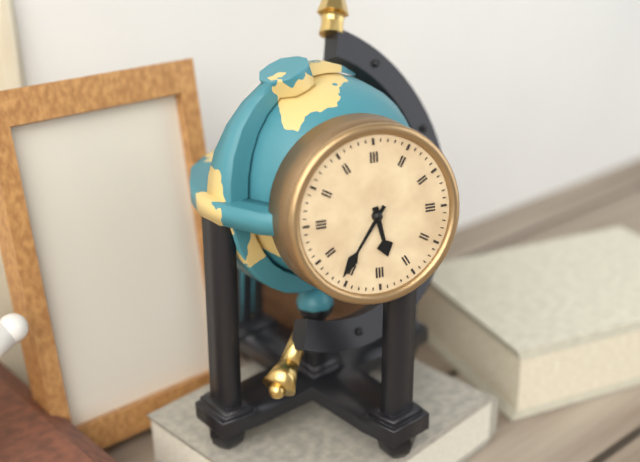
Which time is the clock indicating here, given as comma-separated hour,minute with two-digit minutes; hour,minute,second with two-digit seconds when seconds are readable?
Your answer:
5,36
